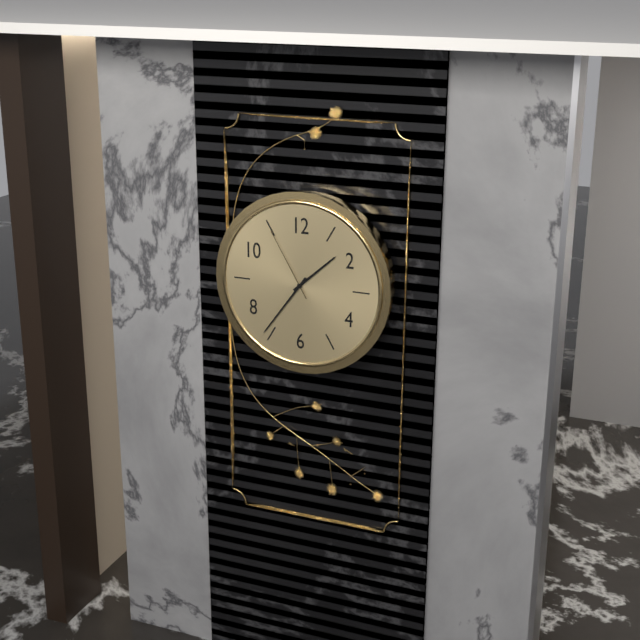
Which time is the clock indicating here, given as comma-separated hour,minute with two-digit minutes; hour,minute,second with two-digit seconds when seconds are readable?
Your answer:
1,36,55
